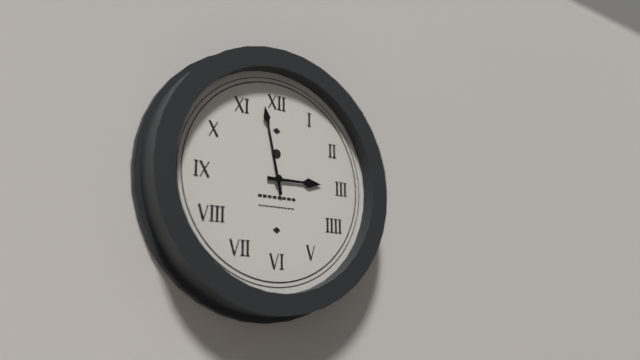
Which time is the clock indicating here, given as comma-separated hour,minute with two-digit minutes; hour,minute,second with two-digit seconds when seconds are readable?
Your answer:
2,58
